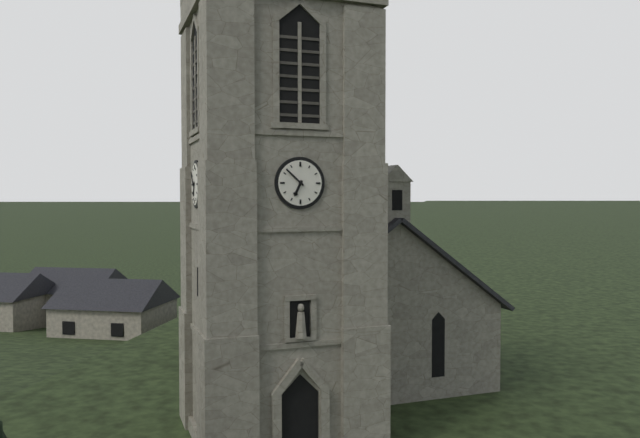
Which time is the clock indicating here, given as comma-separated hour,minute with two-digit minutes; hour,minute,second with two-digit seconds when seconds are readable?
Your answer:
6,52
